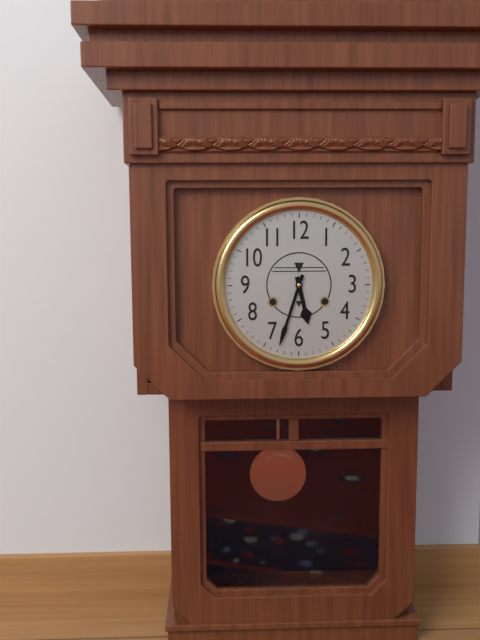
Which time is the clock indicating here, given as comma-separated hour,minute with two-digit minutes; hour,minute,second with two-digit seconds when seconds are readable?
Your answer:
5,33
